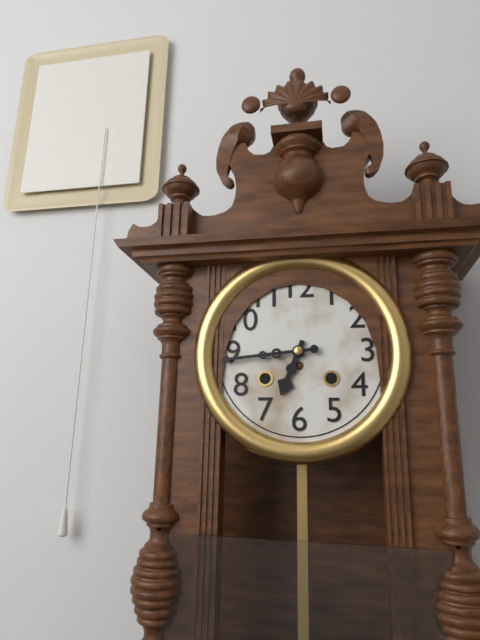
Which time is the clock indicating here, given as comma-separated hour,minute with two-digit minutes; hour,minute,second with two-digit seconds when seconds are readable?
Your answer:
6,44
